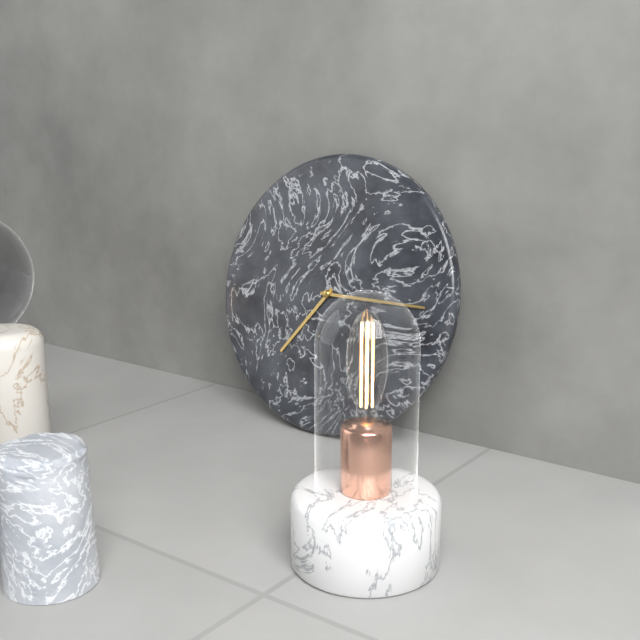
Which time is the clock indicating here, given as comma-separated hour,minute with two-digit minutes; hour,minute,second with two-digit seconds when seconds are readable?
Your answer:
7,15
